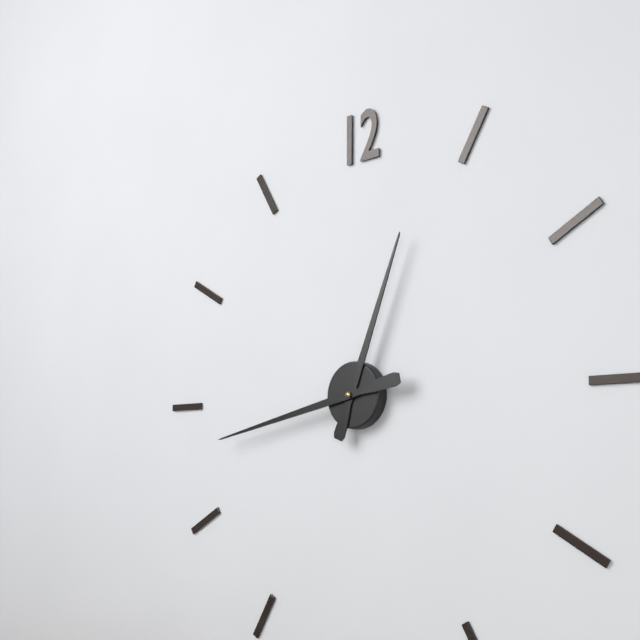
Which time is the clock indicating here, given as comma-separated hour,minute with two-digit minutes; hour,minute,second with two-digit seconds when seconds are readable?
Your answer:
12,43
